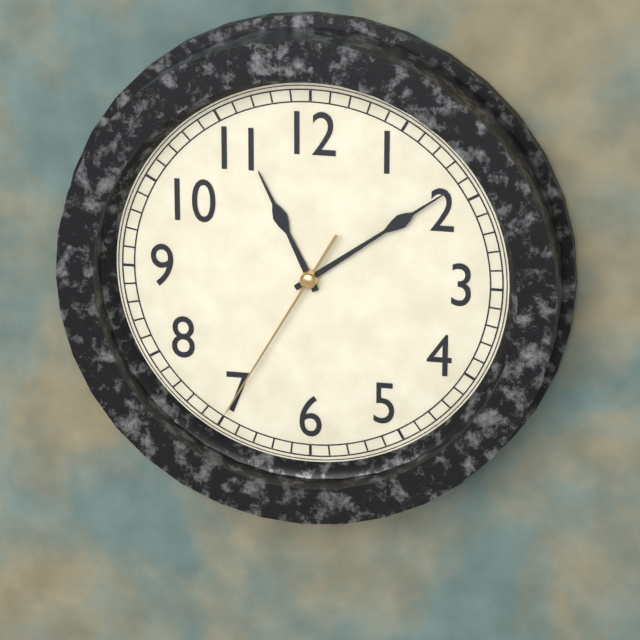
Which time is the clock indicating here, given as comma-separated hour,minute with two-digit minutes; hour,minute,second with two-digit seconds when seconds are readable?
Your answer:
11,09,35
